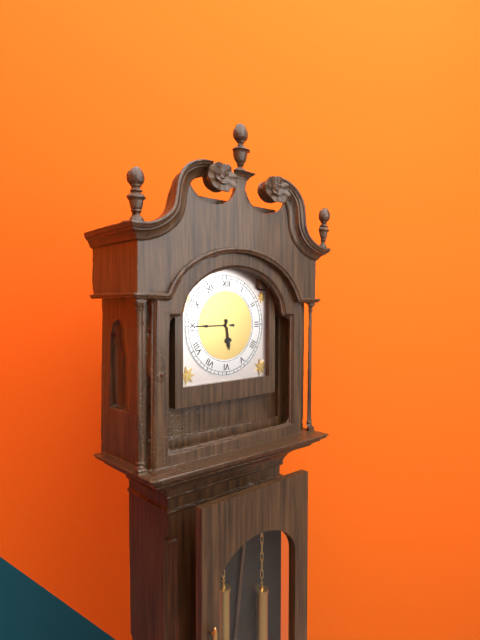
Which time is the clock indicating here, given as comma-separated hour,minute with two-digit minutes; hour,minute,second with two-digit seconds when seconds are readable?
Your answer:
5,45
